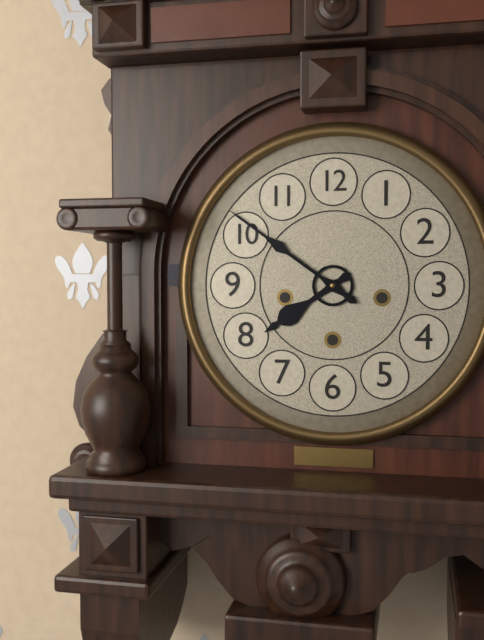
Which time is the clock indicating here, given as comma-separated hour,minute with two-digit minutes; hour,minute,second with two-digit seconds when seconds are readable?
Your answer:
7,51
